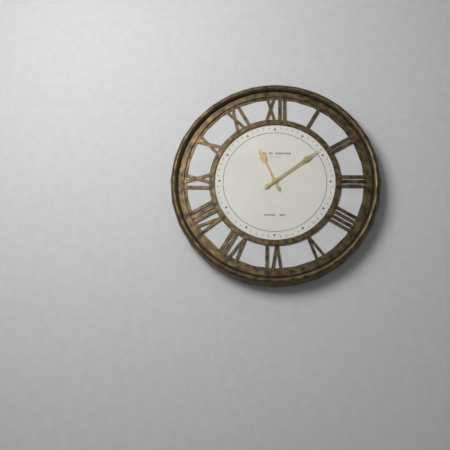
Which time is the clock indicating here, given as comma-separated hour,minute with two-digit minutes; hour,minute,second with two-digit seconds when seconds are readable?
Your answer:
11,09
